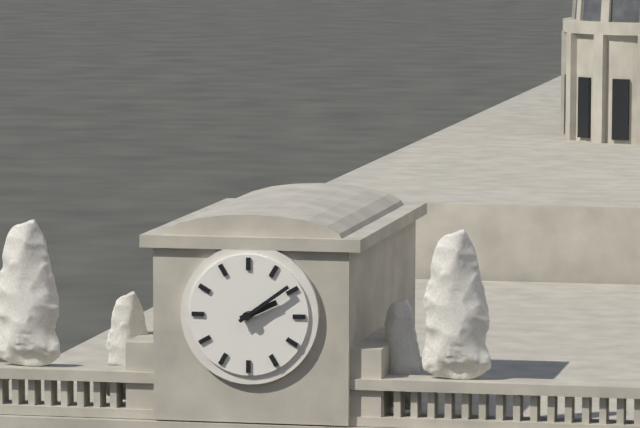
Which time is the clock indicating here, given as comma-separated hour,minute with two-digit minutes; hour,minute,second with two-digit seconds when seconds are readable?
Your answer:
2,09
